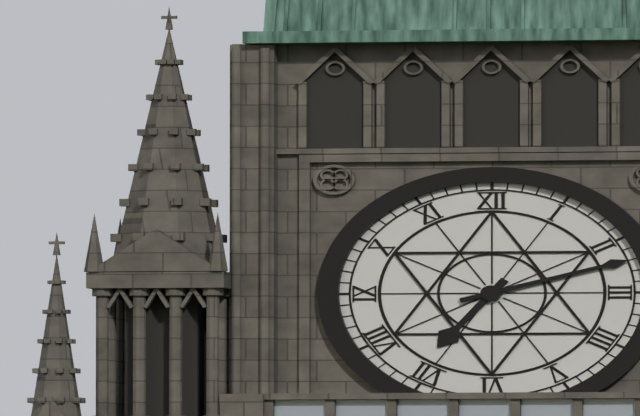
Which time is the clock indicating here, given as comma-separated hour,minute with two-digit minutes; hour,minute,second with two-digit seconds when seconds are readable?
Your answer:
7,12
